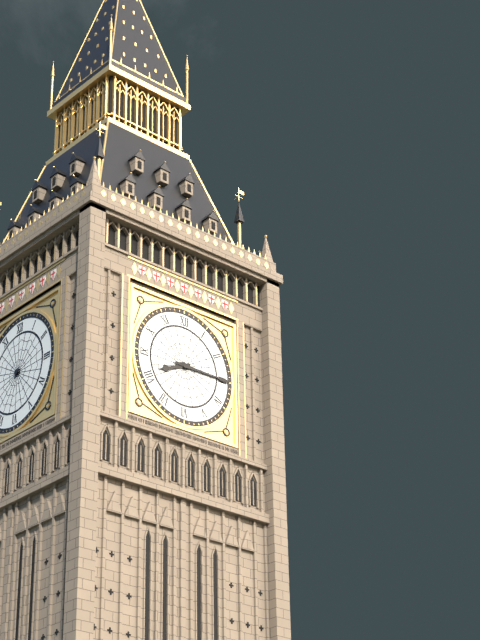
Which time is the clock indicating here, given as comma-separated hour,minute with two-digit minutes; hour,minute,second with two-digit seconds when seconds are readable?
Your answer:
8,15
